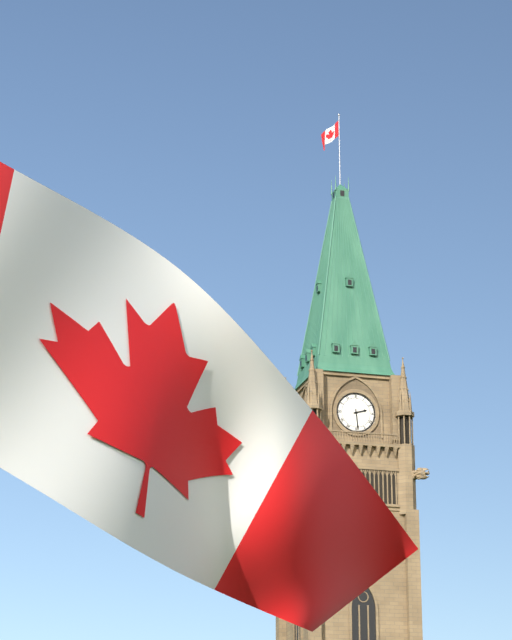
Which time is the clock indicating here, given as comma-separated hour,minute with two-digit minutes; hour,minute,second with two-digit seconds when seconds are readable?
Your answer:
2,29
